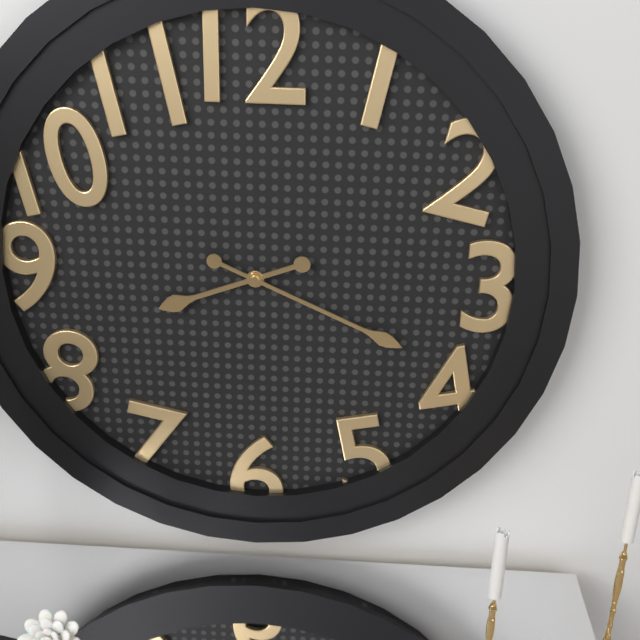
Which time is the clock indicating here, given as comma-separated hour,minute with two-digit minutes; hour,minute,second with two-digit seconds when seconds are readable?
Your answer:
8,19
